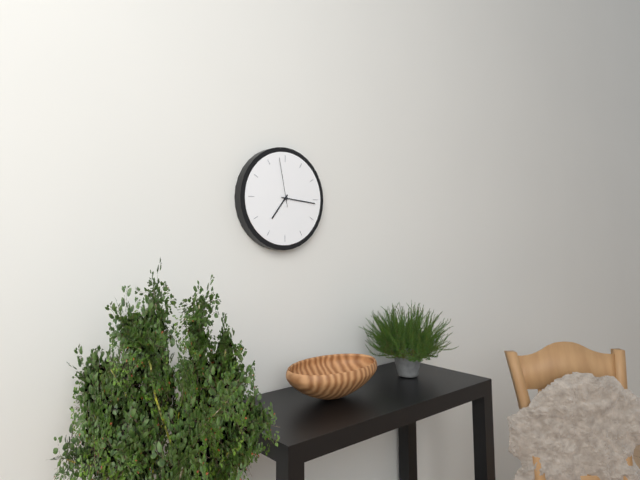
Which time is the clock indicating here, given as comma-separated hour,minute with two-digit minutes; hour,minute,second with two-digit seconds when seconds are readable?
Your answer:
7,16,58
